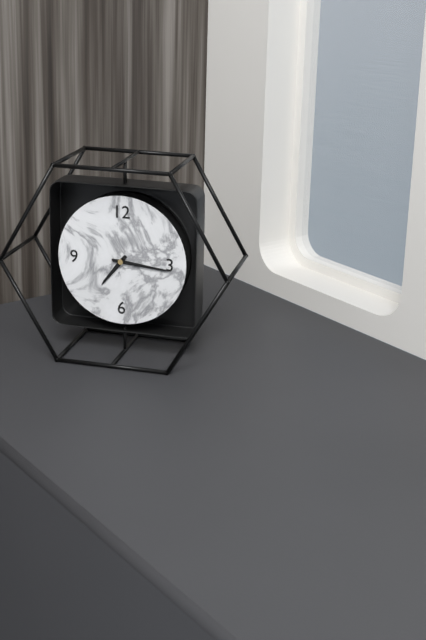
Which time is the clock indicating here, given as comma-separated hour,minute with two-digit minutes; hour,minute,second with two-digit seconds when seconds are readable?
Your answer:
7,16
